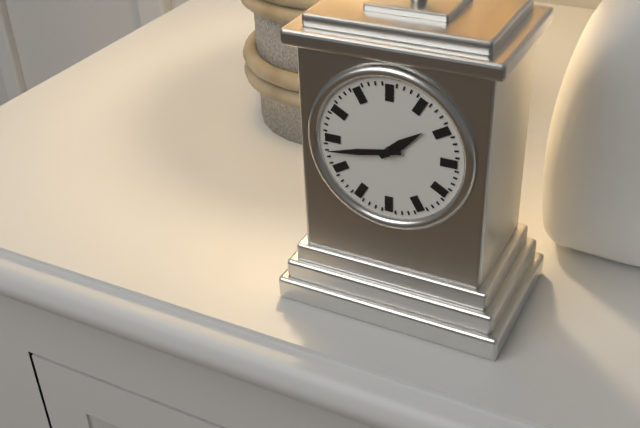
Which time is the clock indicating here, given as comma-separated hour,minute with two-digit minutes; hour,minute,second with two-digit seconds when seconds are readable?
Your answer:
1,43
